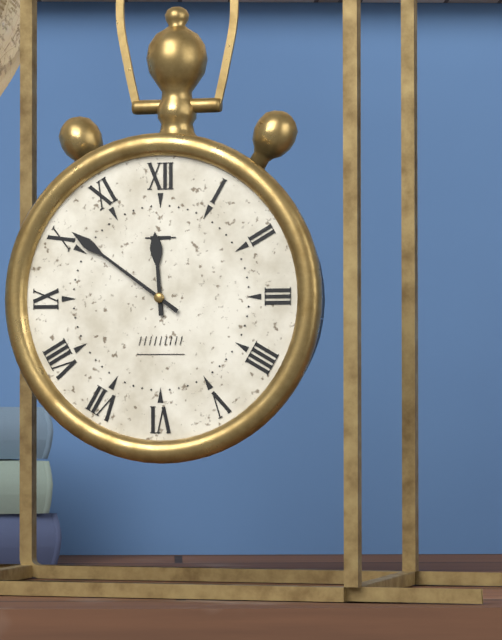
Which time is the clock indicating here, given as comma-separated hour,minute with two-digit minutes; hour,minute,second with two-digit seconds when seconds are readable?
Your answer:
11,51
